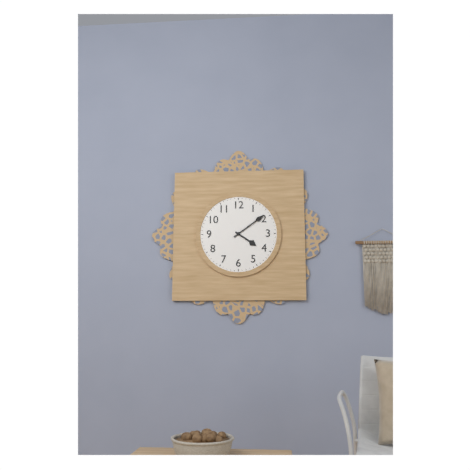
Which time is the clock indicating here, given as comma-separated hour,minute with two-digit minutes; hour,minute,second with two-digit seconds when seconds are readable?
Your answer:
4,09
